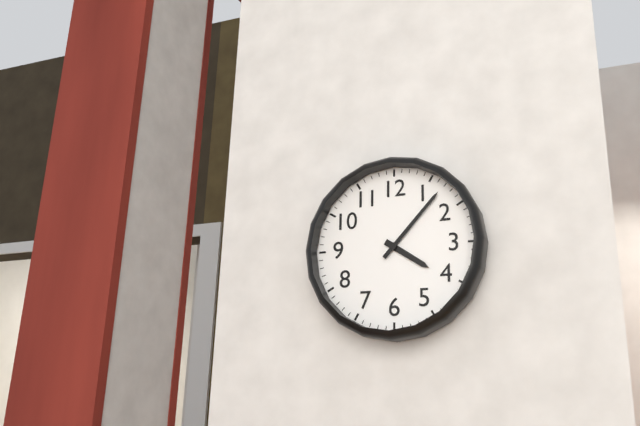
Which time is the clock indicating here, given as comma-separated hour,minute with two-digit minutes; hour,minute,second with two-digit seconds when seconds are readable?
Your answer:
4,07
